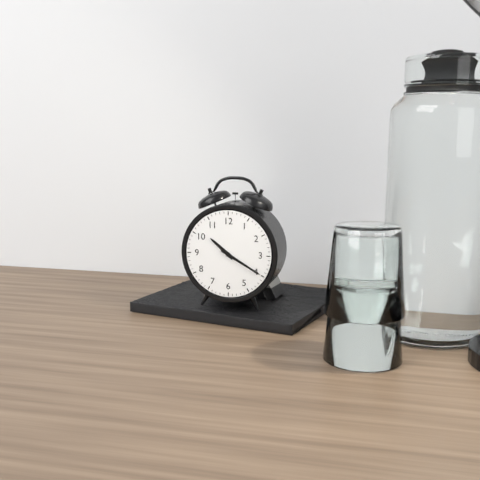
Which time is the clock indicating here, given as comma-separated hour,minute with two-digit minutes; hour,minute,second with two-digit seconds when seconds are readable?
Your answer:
10,20
